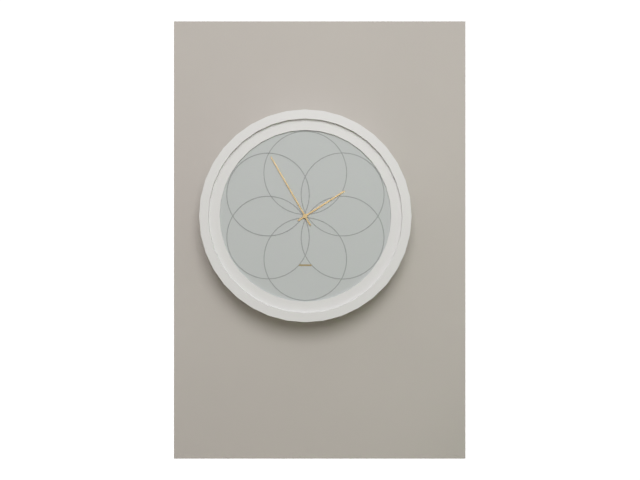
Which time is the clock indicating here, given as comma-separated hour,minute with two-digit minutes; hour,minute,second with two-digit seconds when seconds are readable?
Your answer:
1,55
